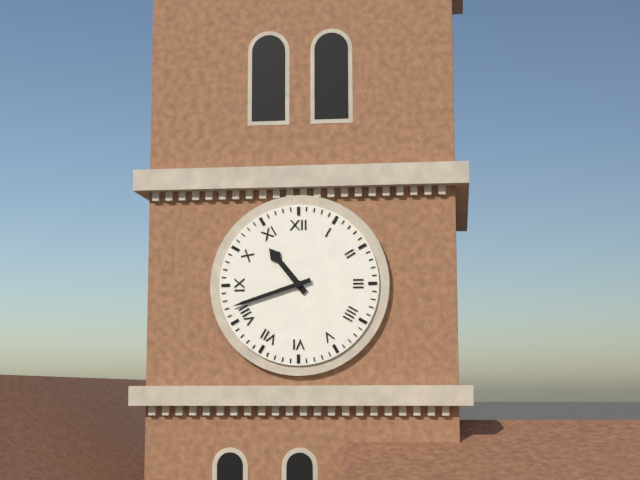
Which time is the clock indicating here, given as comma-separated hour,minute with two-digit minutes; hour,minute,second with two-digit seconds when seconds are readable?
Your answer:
10,42
